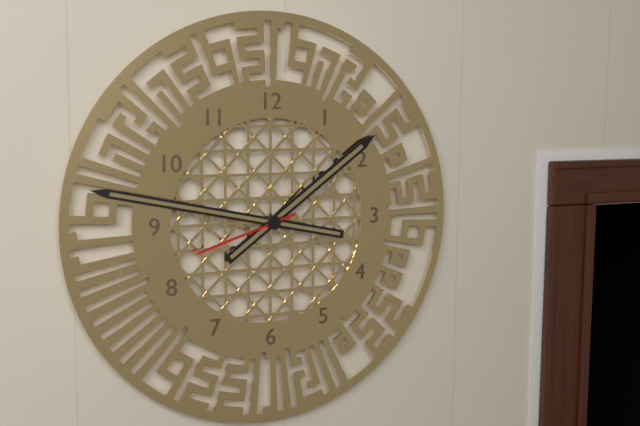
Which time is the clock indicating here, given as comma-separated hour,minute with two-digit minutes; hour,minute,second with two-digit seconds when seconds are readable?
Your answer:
1,47,42
